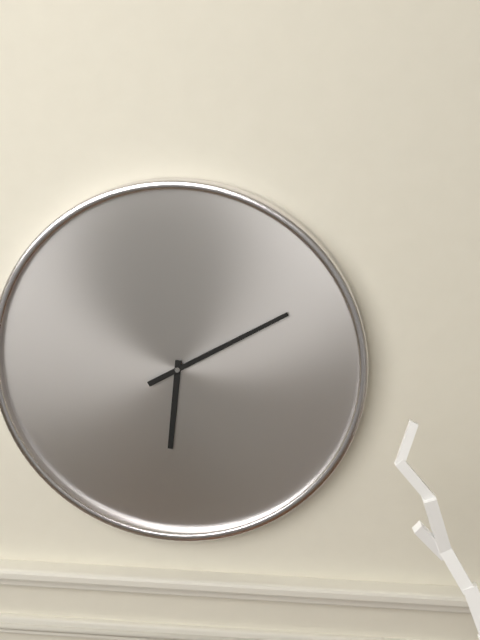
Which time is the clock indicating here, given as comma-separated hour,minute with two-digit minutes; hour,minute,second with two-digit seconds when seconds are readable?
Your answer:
6,10
